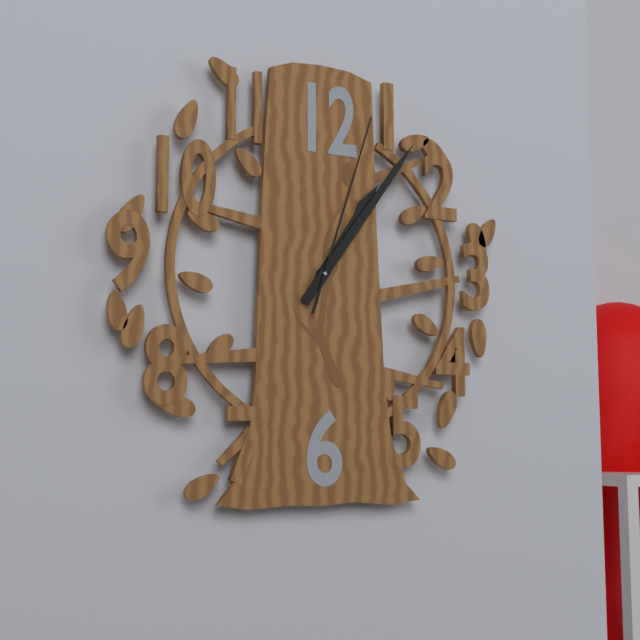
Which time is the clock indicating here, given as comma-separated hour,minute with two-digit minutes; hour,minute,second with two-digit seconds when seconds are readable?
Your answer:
1,06,03
